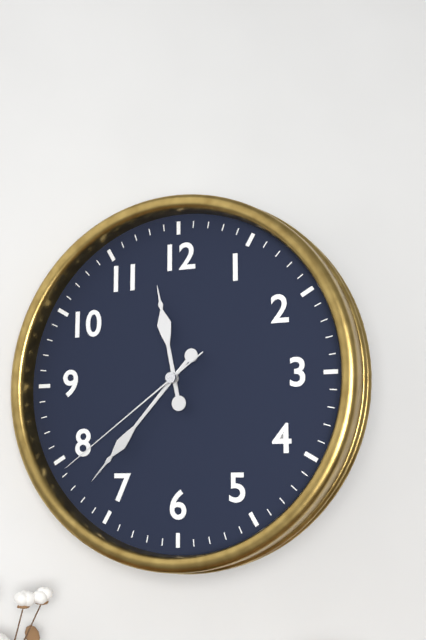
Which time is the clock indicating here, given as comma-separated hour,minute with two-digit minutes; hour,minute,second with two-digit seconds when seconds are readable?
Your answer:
11,37,39
